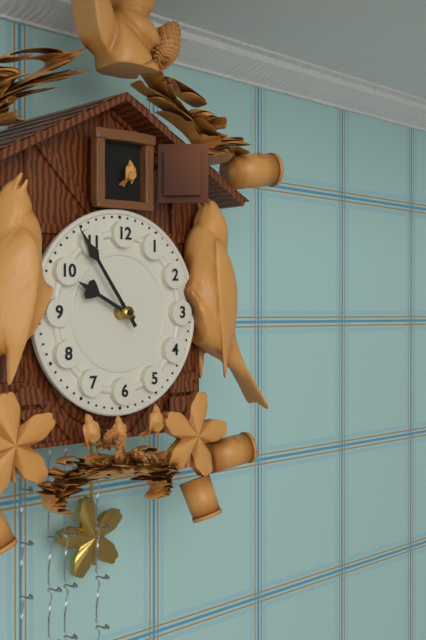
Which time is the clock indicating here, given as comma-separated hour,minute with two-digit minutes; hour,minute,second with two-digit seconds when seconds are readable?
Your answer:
9,54
